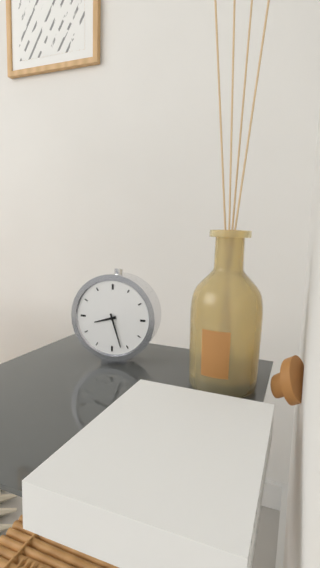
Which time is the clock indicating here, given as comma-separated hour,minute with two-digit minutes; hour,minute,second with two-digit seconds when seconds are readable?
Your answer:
8,27
